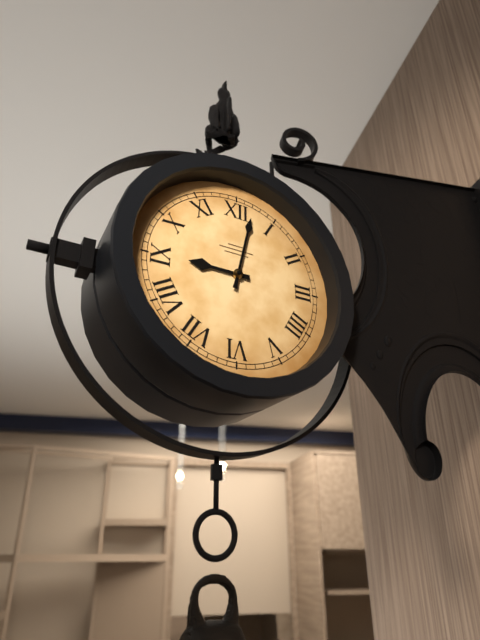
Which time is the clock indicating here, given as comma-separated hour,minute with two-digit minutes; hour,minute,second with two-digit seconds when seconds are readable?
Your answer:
9,02
